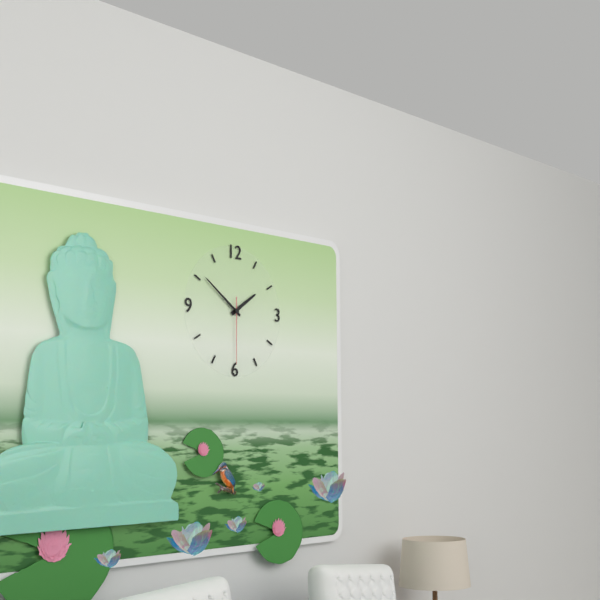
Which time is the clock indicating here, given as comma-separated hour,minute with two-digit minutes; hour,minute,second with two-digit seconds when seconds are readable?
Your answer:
1,51,30
